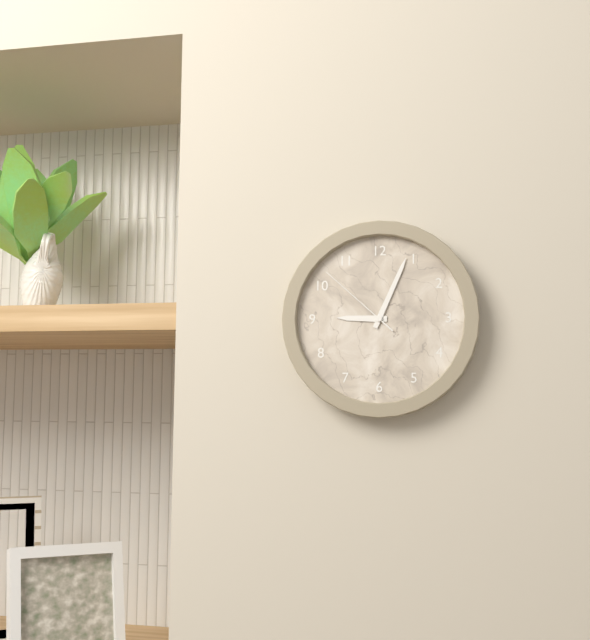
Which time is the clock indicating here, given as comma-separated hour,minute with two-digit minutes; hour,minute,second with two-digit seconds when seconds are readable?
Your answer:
9,04,52
